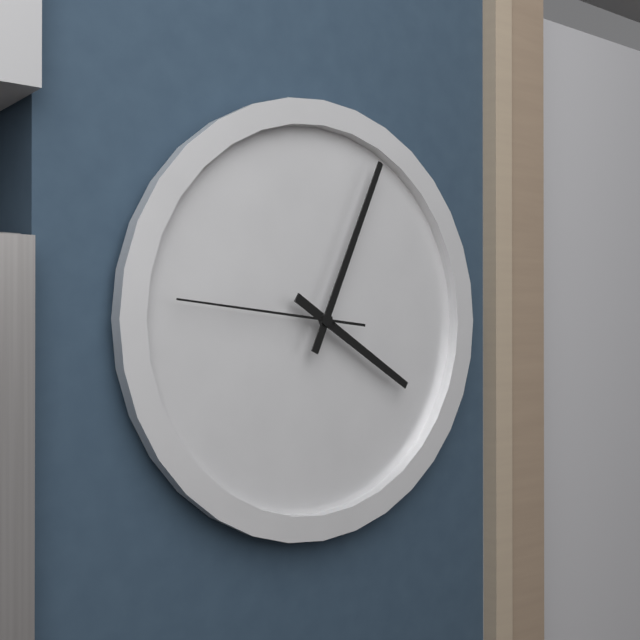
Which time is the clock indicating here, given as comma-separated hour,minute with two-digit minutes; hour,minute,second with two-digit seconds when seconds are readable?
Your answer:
4,04,46
